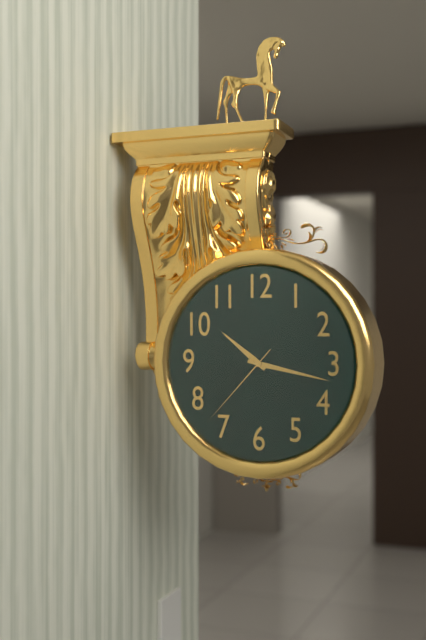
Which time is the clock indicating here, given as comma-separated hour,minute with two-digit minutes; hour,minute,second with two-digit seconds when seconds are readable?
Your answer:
10,17,37
